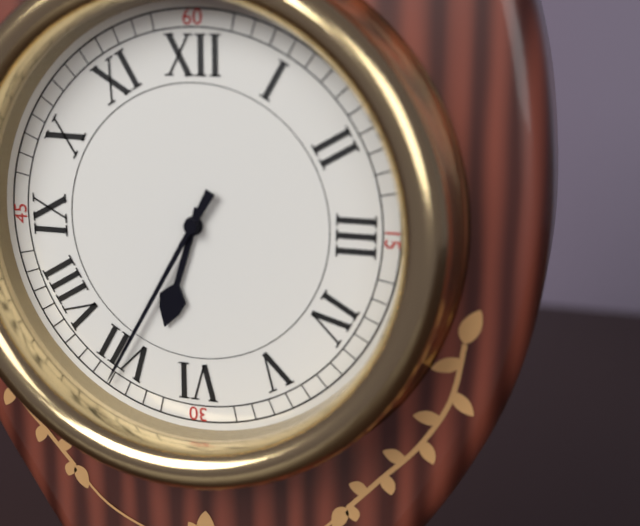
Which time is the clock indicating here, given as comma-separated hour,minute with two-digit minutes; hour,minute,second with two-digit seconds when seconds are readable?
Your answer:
6,35
